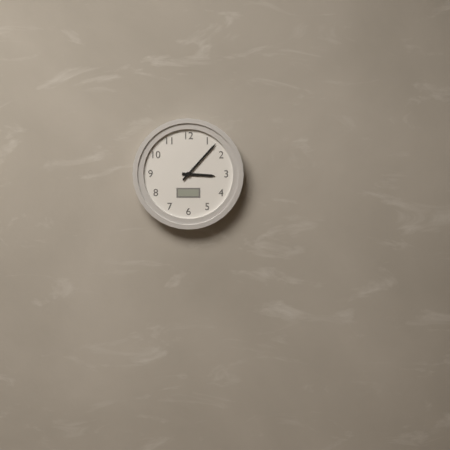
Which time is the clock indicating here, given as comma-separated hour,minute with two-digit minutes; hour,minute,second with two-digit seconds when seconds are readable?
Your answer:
3,07
